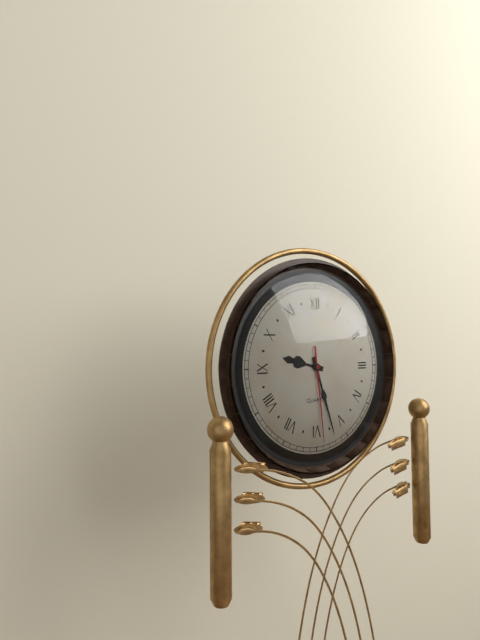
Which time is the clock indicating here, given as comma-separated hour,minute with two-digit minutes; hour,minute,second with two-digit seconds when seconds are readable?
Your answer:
9,27,29
